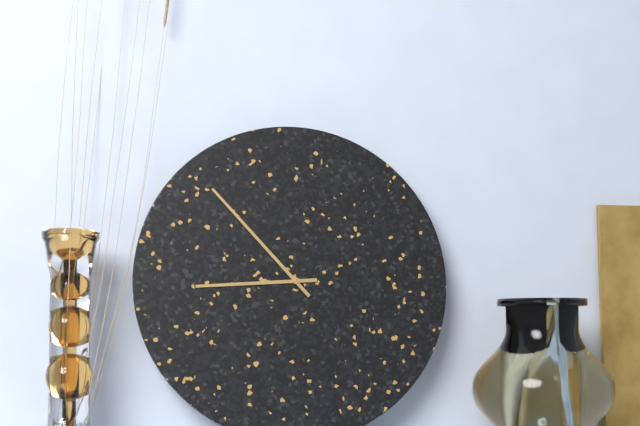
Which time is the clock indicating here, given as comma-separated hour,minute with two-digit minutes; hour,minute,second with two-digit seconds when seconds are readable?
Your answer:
8,53
